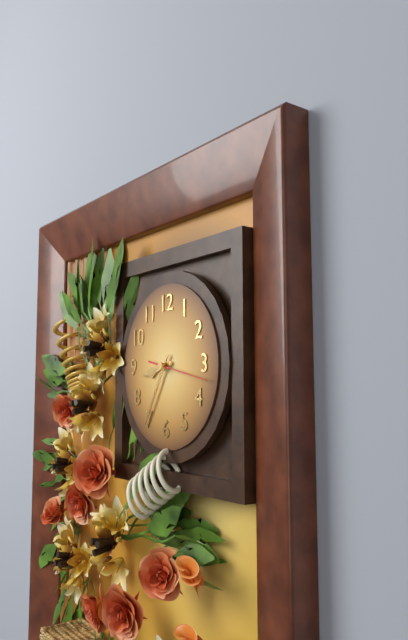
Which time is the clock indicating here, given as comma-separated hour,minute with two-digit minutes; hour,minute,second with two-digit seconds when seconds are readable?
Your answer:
8,35,17
